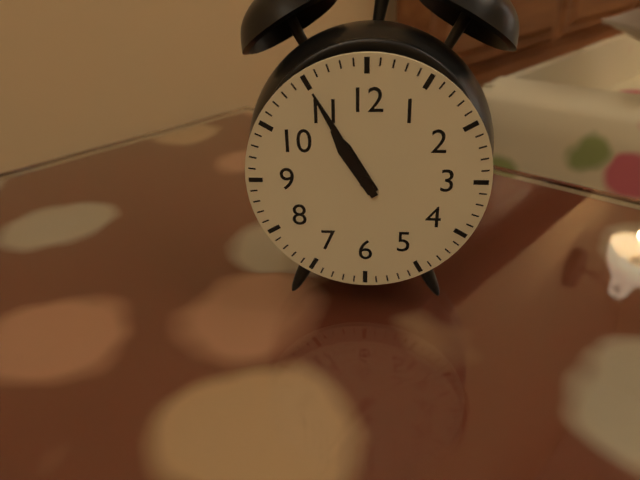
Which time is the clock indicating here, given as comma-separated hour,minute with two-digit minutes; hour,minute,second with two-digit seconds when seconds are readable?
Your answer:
10,55
